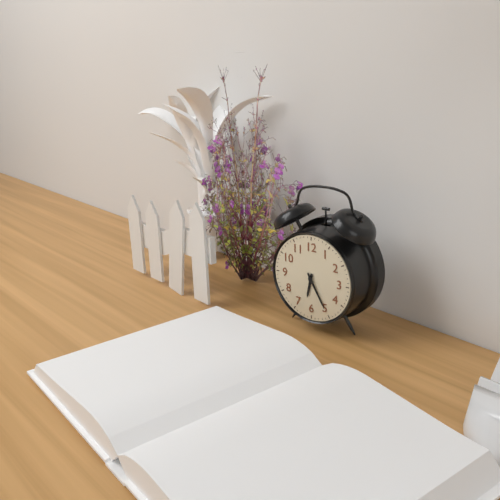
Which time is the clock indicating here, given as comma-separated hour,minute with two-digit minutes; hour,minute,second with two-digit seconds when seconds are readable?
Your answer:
6,25
